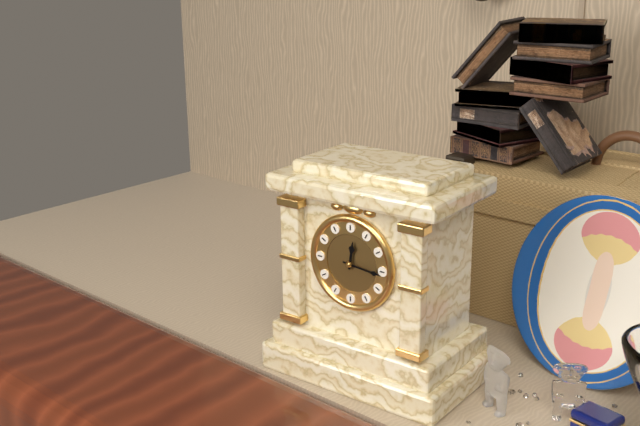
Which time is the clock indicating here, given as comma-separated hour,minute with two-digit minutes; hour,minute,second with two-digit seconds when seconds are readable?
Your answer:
12,16
